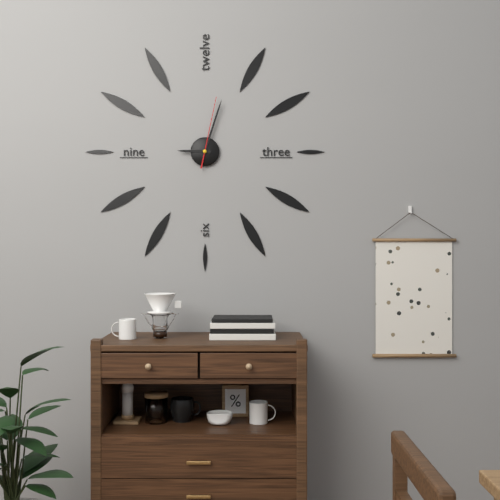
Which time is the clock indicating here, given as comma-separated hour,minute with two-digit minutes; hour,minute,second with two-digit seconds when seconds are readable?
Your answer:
9,03,02
